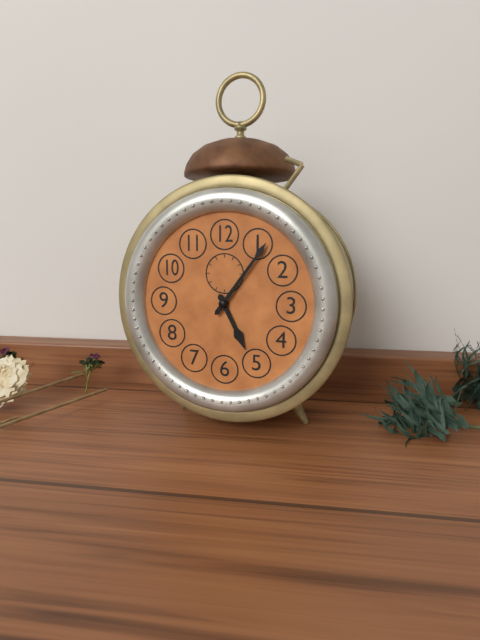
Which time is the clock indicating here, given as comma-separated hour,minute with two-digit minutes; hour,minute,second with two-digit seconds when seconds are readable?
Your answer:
5,06
